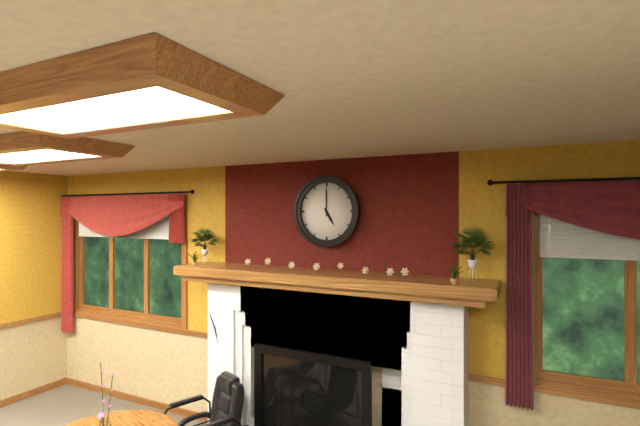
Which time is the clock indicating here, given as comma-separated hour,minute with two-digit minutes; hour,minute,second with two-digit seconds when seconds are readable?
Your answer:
5,00
